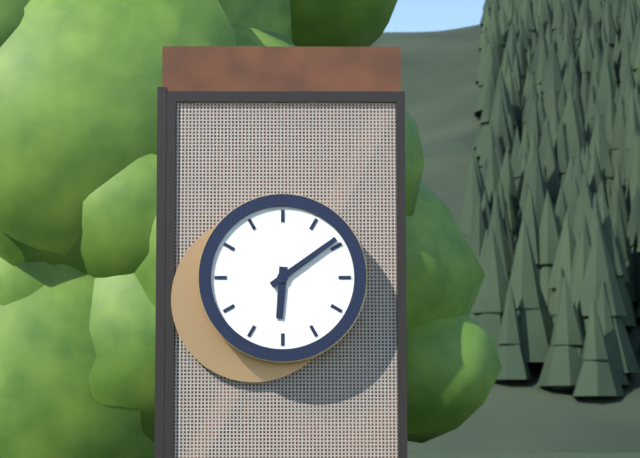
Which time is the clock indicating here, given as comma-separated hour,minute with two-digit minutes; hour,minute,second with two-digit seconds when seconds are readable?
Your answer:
6,09
